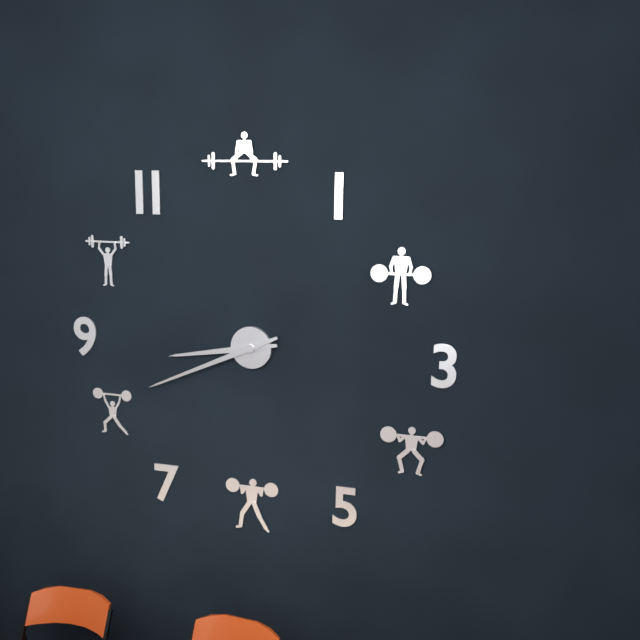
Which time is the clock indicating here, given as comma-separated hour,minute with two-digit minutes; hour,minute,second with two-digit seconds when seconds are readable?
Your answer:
8,41
